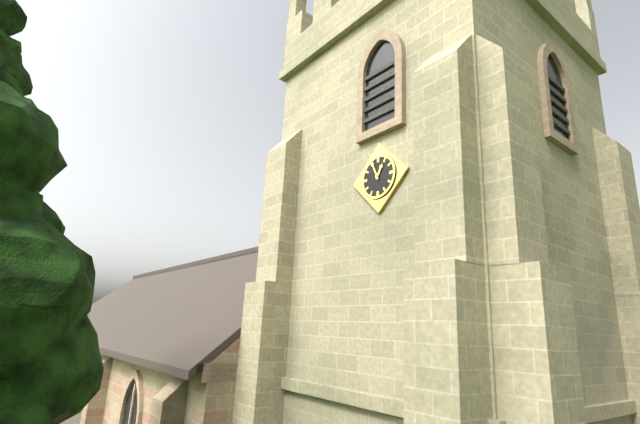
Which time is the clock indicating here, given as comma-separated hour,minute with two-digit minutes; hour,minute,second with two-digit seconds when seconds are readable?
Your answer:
12,56
